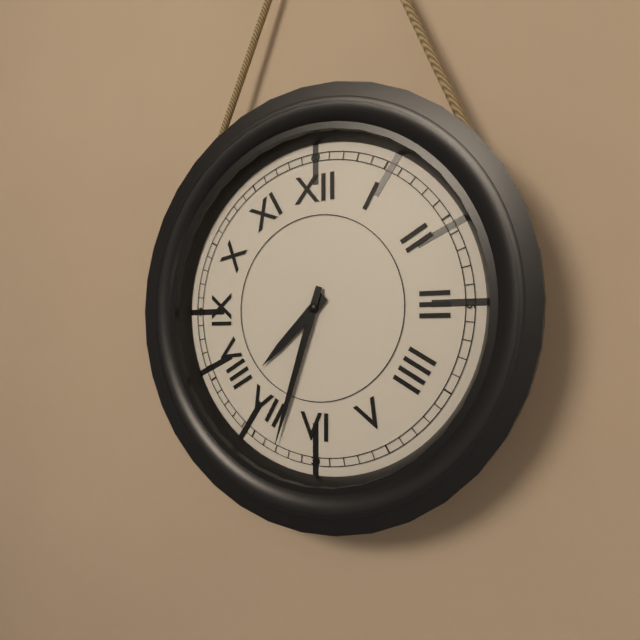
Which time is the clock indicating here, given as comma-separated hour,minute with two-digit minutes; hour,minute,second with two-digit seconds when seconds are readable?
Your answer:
7,33
